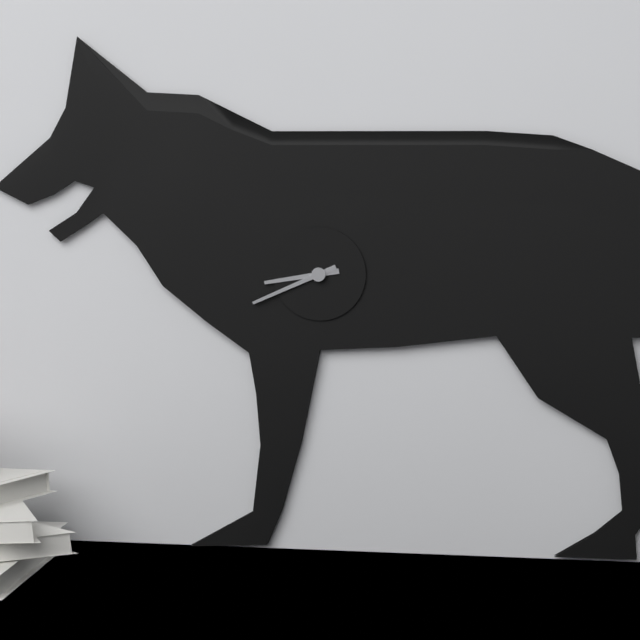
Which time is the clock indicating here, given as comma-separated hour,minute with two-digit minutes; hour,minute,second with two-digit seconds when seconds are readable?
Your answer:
8,41
